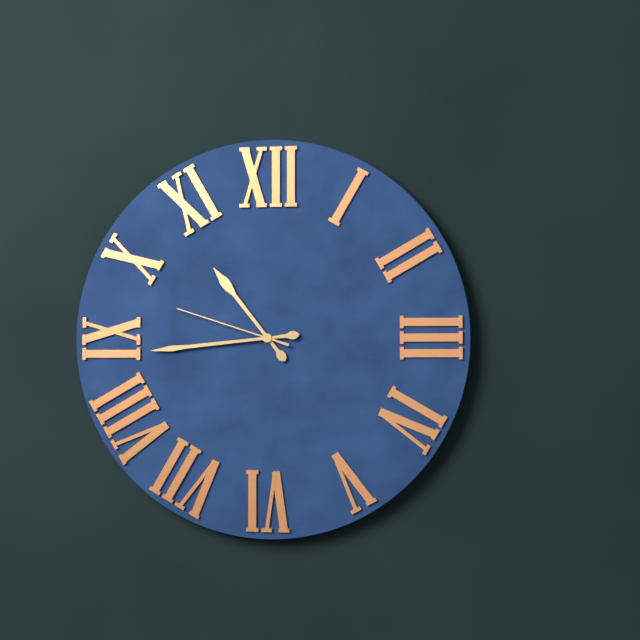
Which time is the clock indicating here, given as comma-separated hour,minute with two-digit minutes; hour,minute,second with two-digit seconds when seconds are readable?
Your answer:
10,44,48
